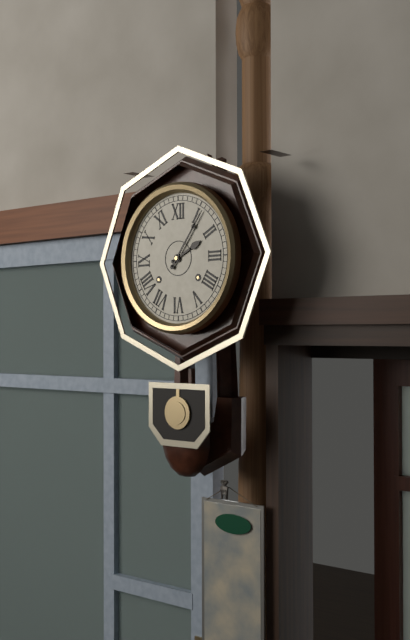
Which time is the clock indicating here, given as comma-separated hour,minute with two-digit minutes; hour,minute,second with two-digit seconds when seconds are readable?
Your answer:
2,06
